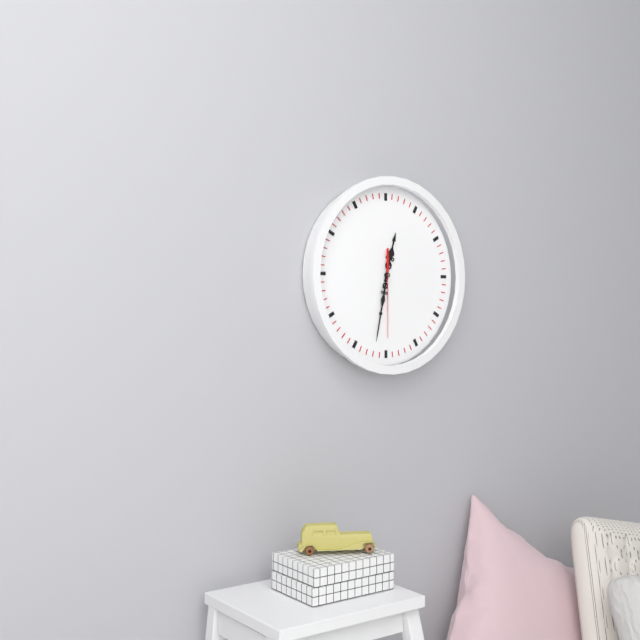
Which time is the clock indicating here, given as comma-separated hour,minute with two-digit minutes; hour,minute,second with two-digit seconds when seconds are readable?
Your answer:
12,32,30
